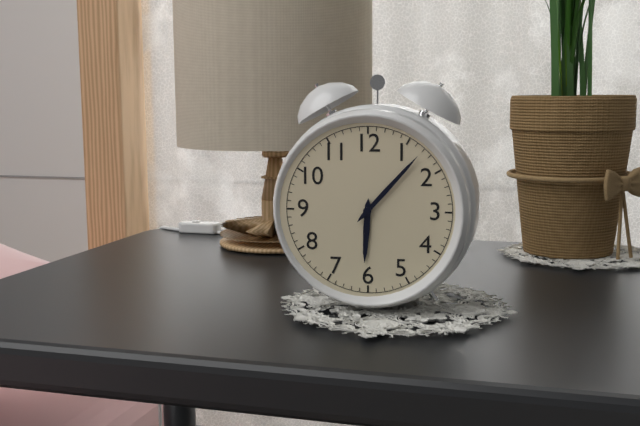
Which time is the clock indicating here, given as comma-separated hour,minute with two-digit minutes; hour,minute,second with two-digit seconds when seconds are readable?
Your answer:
6,07
